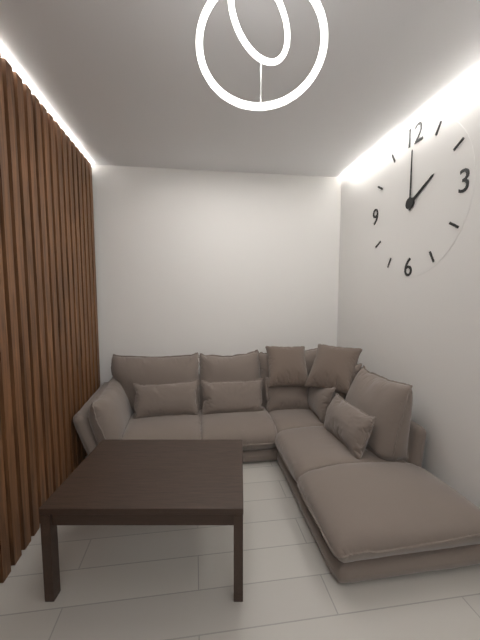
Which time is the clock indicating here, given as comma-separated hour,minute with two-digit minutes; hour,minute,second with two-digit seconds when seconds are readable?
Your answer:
2,00
